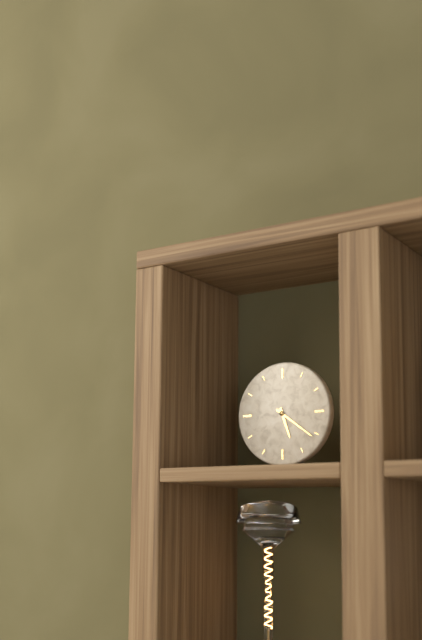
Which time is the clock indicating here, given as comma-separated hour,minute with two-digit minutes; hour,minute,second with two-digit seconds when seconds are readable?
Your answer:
5,21
